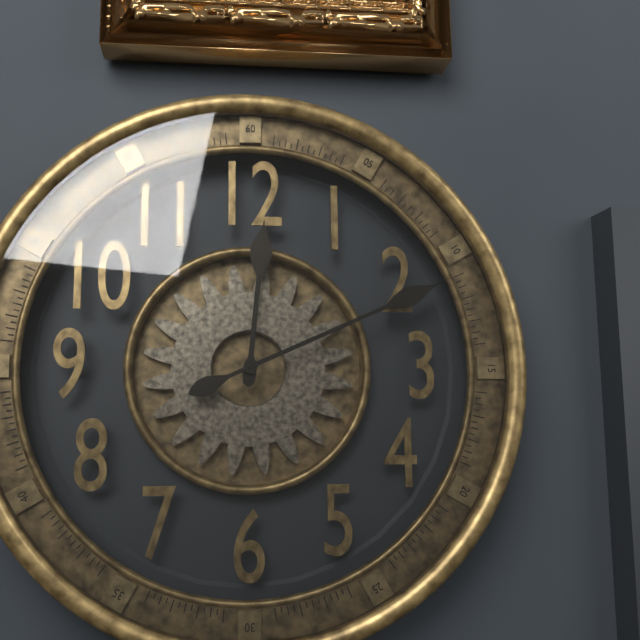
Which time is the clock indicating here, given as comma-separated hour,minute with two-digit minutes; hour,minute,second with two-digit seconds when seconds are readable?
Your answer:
12,11
